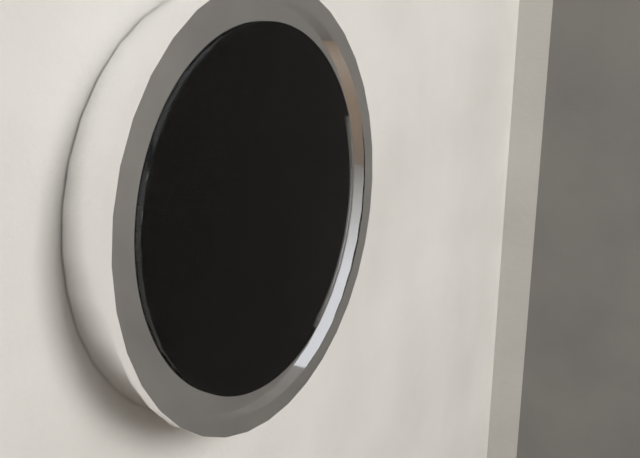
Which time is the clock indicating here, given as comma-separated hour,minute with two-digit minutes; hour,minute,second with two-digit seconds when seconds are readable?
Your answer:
6,38
